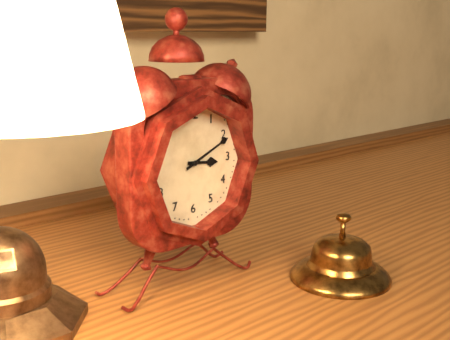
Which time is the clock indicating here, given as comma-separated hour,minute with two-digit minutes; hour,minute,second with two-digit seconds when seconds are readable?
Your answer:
3,11
